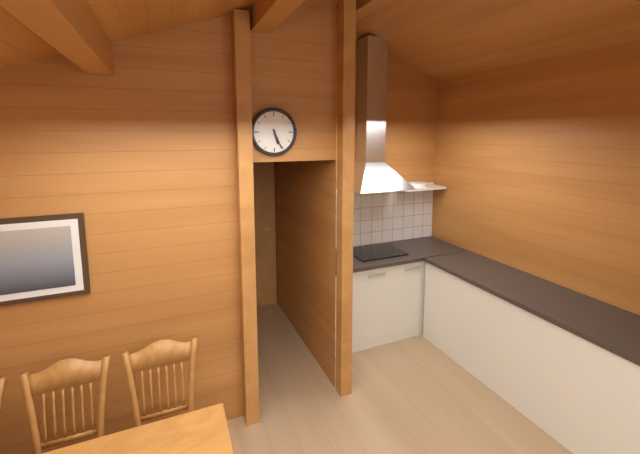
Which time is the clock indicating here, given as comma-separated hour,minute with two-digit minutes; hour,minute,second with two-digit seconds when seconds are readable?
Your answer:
5,26
